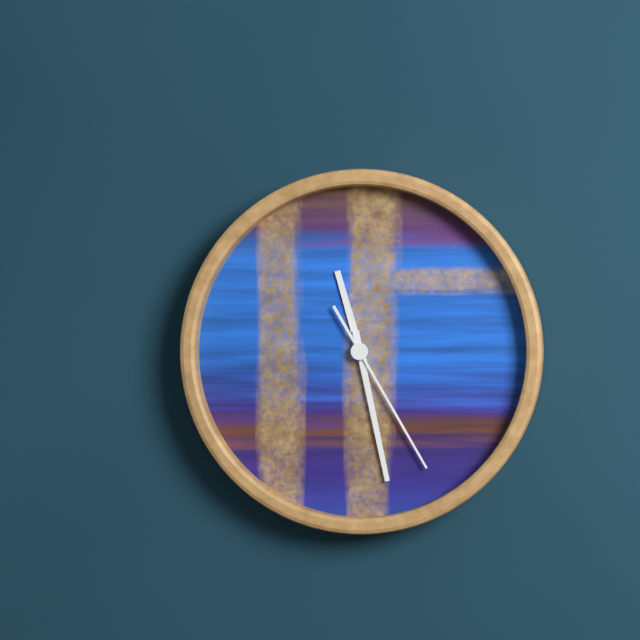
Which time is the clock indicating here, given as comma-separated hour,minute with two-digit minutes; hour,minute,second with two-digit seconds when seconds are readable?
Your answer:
11,28,25
